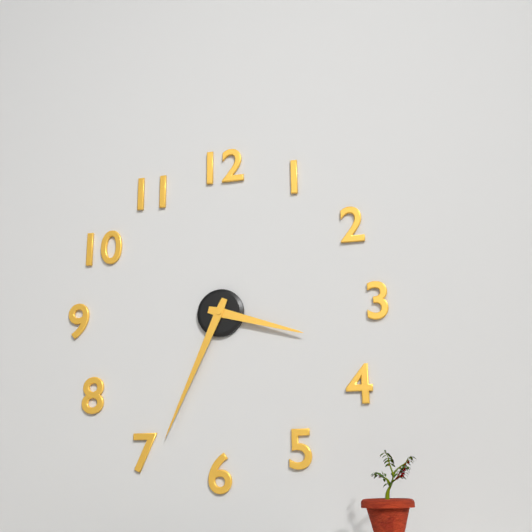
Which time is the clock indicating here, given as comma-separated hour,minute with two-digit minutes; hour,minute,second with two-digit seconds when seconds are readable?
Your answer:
3,34
